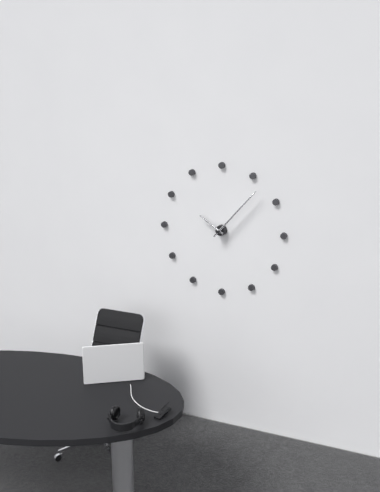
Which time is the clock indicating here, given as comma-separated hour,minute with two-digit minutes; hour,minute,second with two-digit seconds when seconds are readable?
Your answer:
10,07
